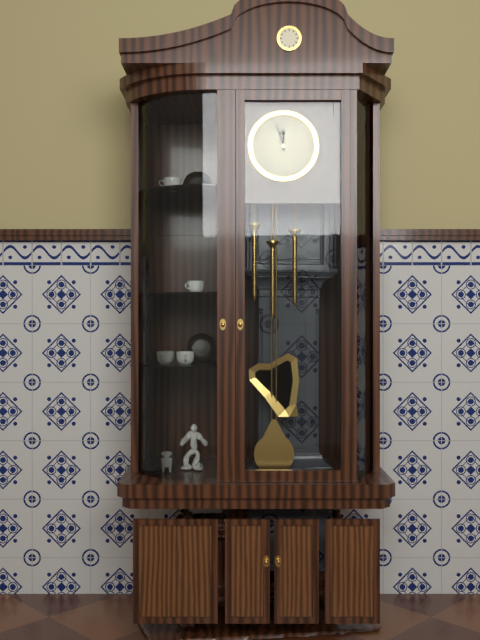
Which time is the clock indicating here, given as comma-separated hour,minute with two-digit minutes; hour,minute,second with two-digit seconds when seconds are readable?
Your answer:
11,57
